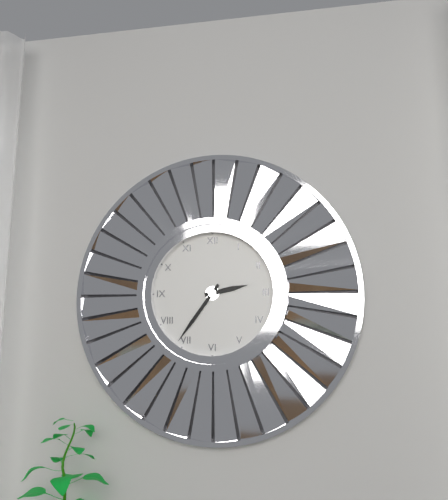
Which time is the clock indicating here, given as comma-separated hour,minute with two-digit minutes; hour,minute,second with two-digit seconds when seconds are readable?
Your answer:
2,36
